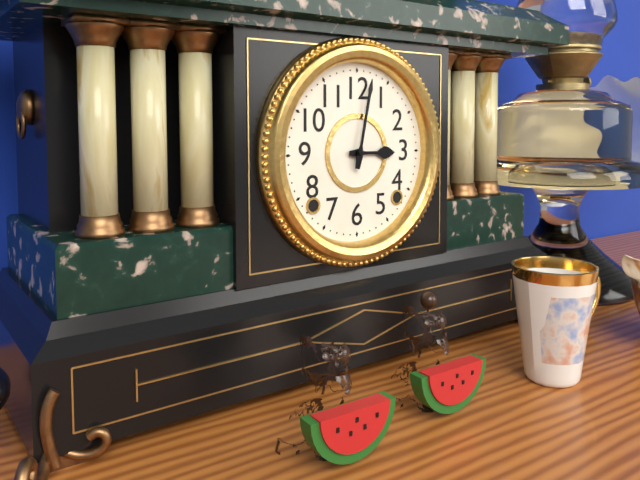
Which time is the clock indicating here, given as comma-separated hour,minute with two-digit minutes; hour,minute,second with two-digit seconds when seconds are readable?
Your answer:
3,02
